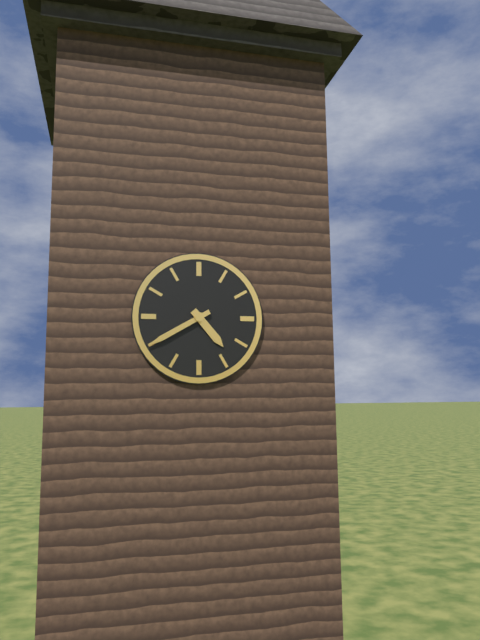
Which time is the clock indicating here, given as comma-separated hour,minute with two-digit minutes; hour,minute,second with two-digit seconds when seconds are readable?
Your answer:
4,40
